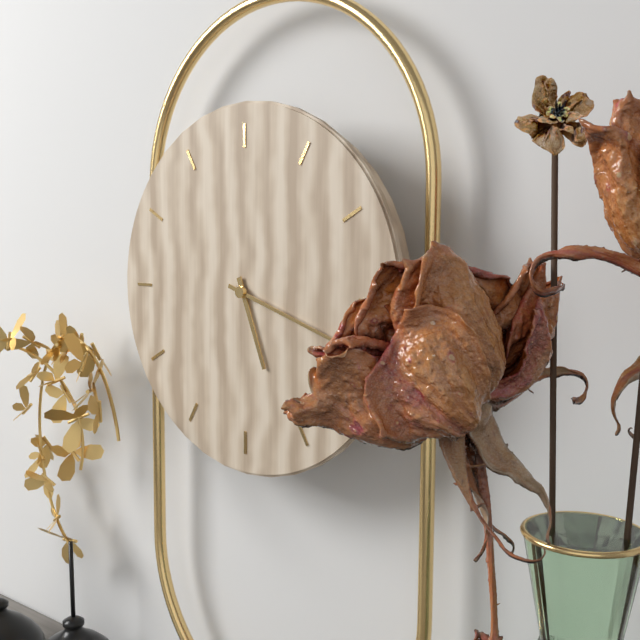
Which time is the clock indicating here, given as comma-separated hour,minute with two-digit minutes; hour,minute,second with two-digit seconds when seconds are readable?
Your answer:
5,18
